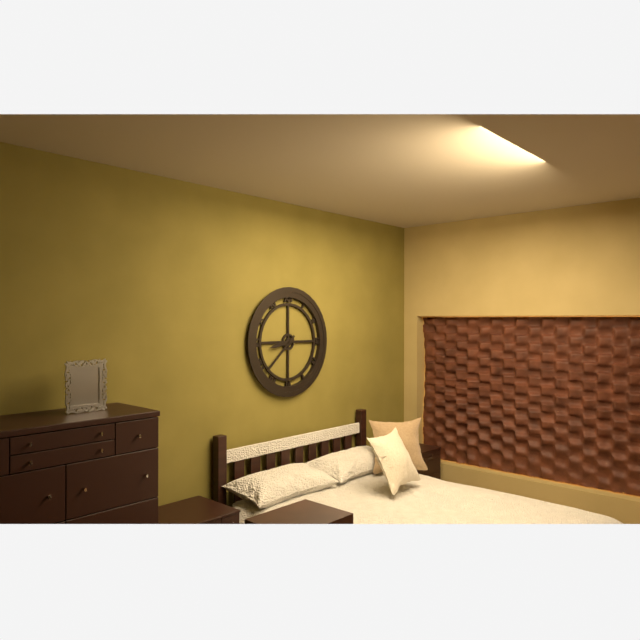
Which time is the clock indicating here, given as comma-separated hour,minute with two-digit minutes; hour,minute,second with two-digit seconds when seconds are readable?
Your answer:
8,38
